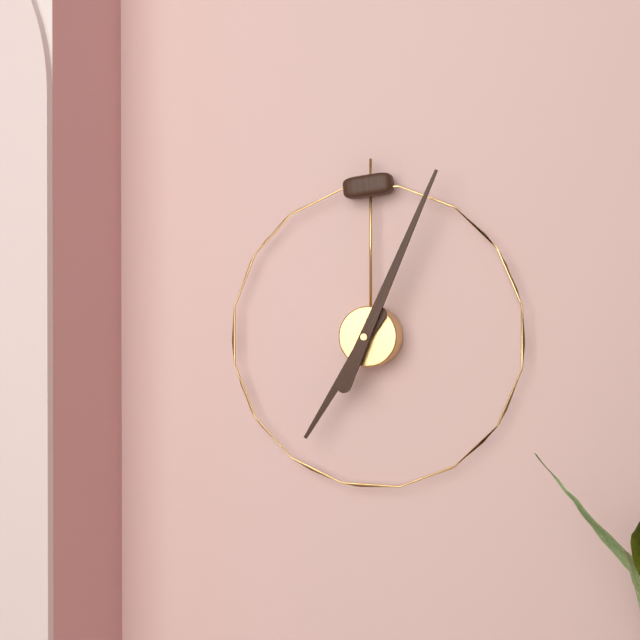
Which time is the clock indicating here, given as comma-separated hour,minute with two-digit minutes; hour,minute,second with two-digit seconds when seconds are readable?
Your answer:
7,04
